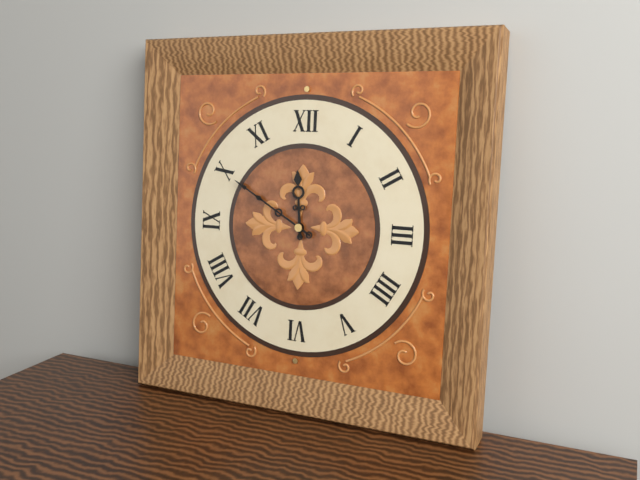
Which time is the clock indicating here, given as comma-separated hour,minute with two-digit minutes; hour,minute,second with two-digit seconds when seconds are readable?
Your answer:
11,50
